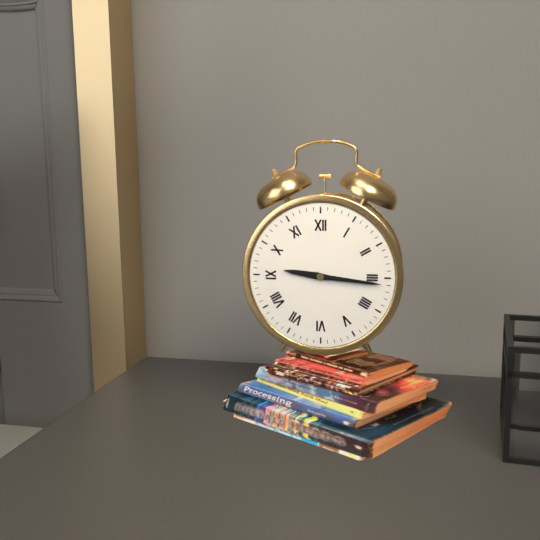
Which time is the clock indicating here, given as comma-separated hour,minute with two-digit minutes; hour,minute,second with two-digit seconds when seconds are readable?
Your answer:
9,16
